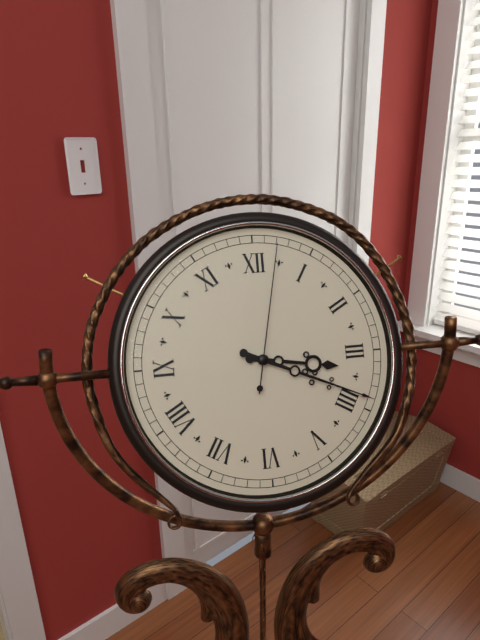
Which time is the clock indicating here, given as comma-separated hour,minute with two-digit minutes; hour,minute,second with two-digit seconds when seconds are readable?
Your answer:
3,19,02
